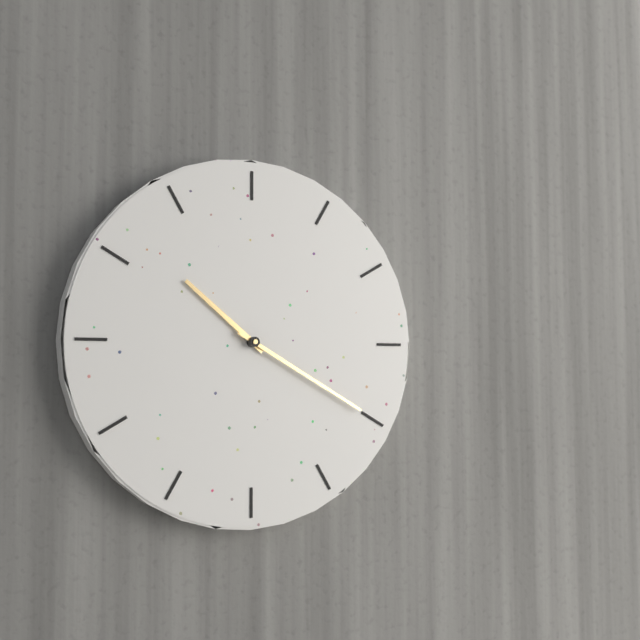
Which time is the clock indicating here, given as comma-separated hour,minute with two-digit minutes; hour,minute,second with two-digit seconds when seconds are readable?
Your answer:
10,20
